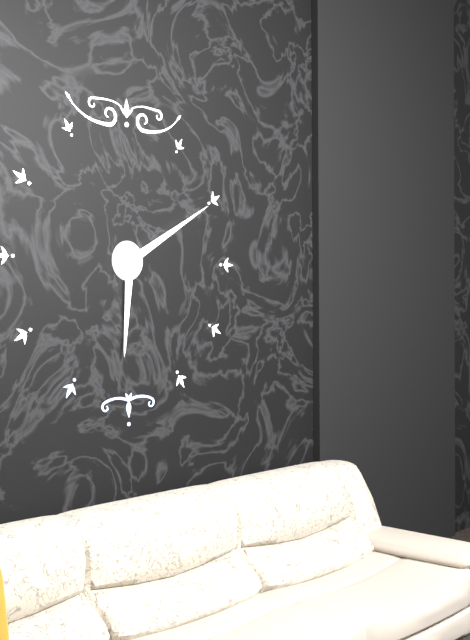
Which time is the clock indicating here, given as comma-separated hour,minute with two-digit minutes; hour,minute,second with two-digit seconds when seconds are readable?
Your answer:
6,10
